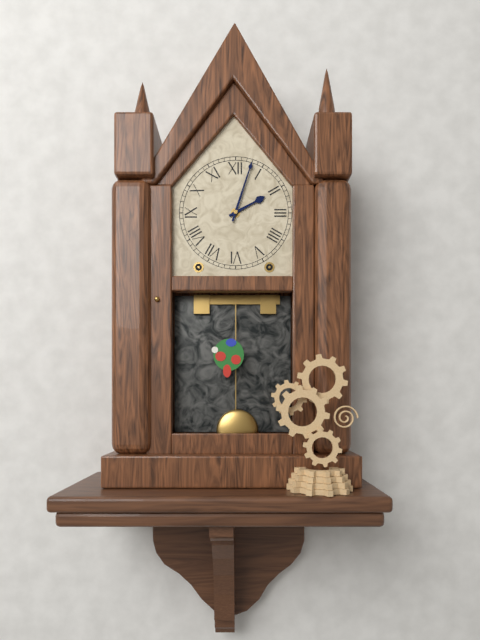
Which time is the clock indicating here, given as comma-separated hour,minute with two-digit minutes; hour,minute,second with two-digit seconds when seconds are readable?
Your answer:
2,03
